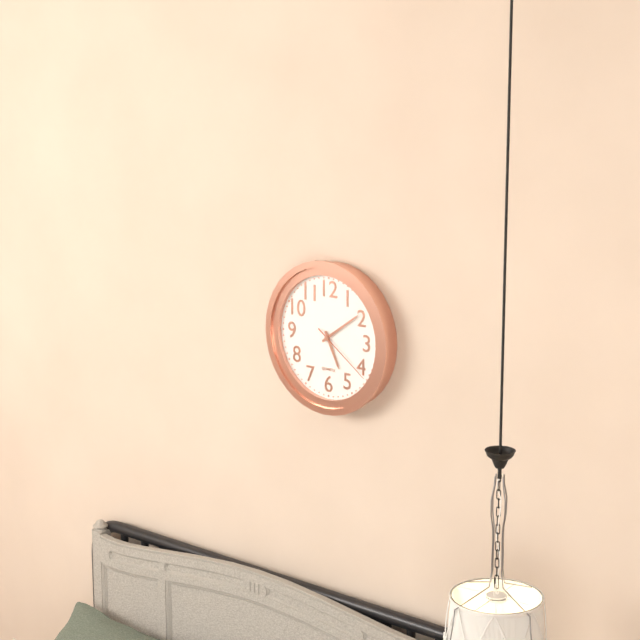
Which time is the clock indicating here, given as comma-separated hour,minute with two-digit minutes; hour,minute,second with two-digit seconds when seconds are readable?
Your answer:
5,09,21
